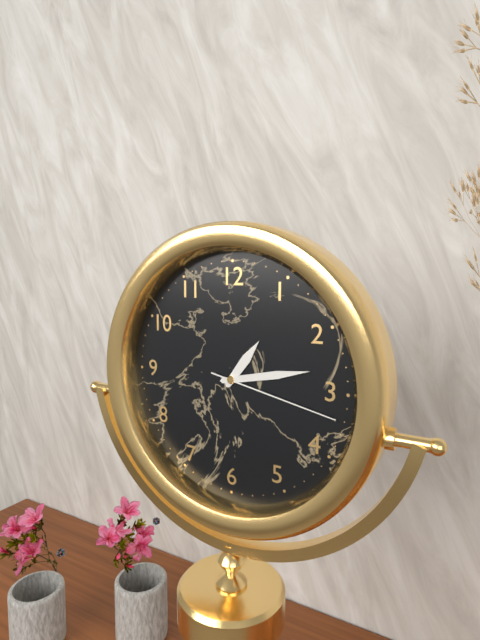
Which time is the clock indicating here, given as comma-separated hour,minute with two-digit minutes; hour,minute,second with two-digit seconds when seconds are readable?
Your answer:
1,13,17
